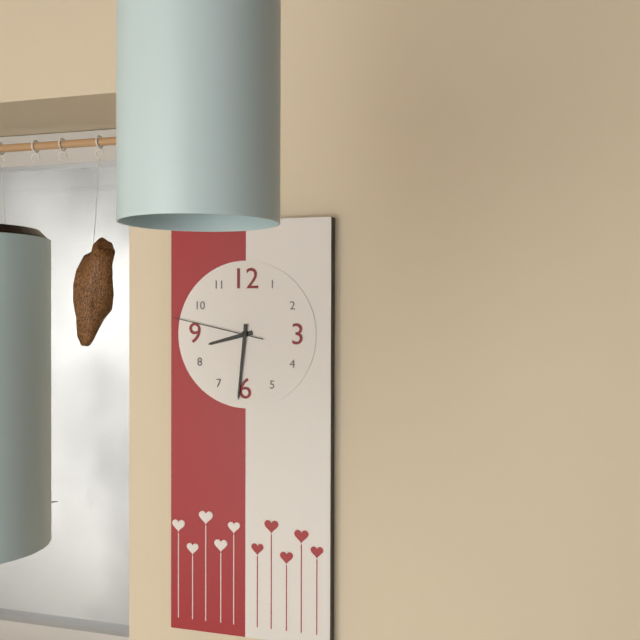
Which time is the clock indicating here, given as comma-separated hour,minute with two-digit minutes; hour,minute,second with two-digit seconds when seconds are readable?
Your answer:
8,31,47
